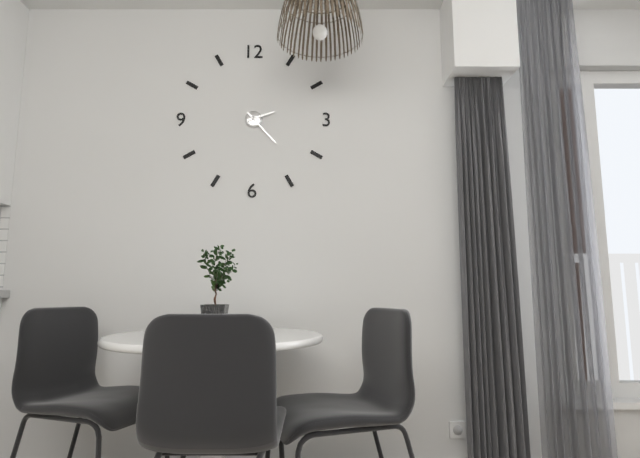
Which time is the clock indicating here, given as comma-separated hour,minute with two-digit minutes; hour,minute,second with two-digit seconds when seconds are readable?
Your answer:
2,23
